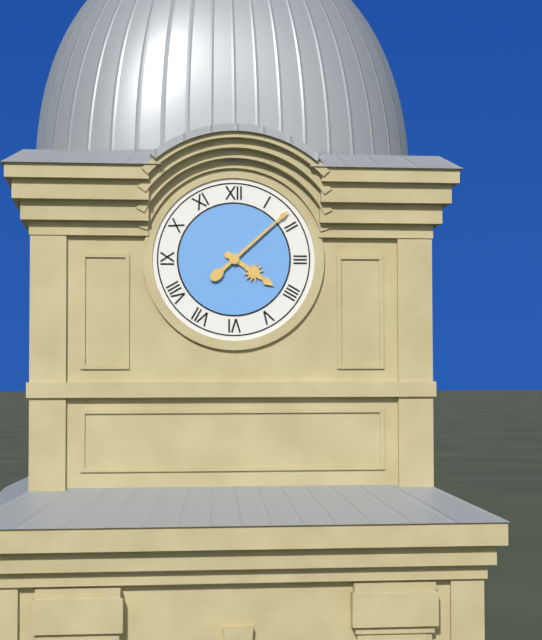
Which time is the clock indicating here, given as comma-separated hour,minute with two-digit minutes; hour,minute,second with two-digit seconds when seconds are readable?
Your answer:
4,08
